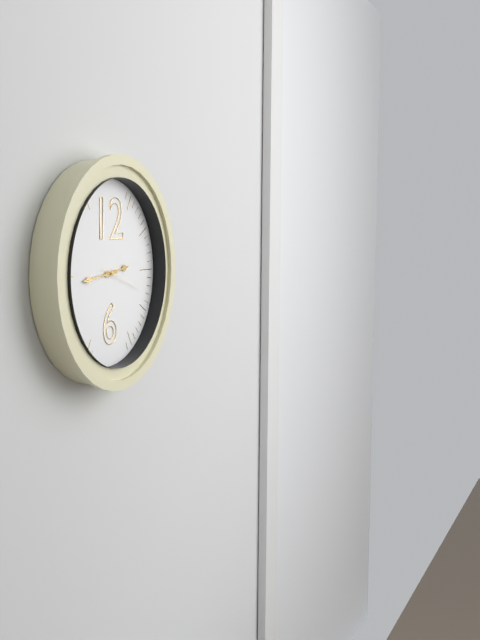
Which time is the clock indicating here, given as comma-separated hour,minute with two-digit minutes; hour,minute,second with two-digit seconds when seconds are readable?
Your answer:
2,44
